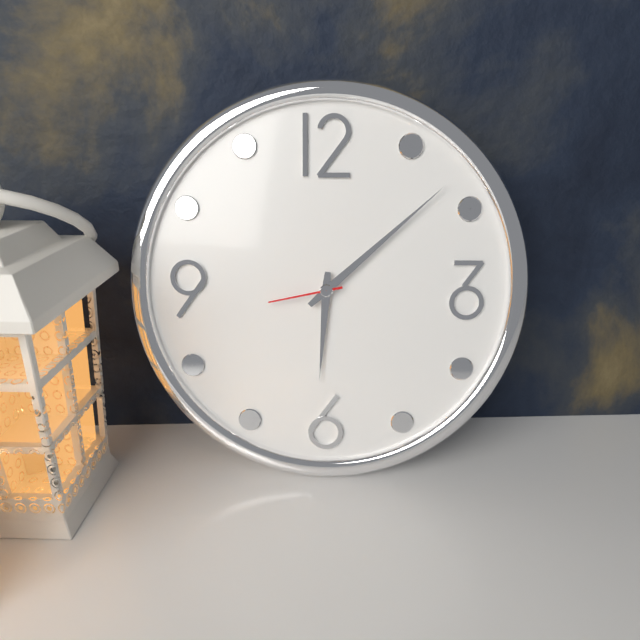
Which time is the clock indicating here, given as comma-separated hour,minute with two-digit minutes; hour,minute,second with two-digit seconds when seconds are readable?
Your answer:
6,08,43
